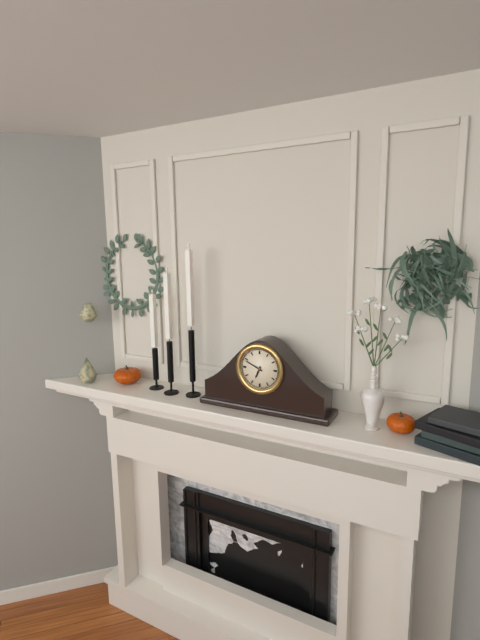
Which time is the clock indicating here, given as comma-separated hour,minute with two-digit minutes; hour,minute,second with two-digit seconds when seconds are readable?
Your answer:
6,49
